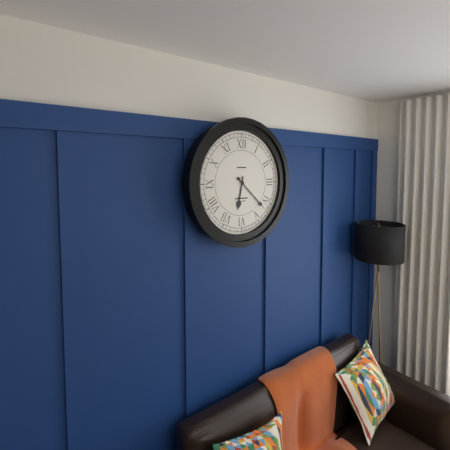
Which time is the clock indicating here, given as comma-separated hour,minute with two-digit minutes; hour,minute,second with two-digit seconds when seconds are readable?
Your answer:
6,22
